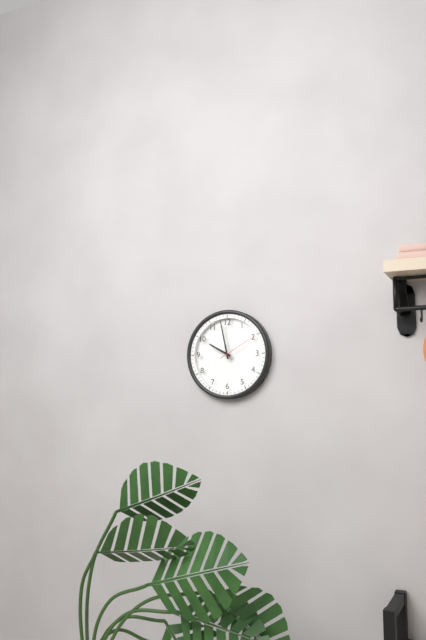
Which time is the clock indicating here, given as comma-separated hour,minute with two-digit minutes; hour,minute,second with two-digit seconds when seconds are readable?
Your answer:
9,58
